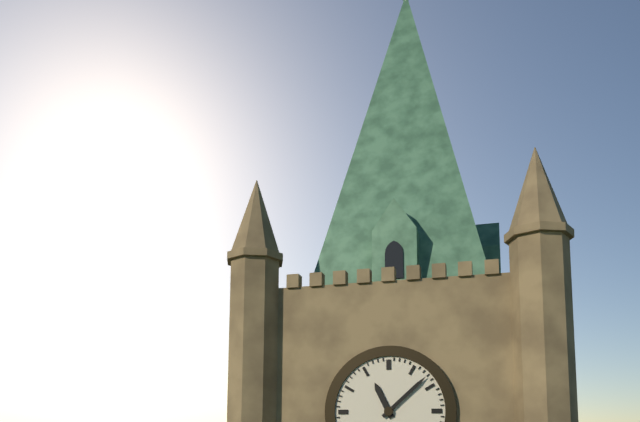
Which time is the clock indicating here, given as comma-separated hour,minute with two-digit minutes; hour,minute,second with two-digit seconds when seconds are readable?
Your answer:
11,08
